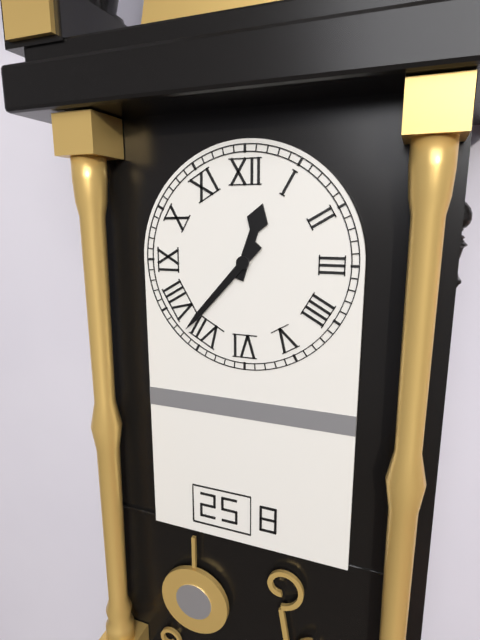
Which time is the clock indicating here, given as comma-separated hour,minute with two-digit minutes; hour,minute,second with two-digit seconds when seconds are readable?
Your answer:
12,37
